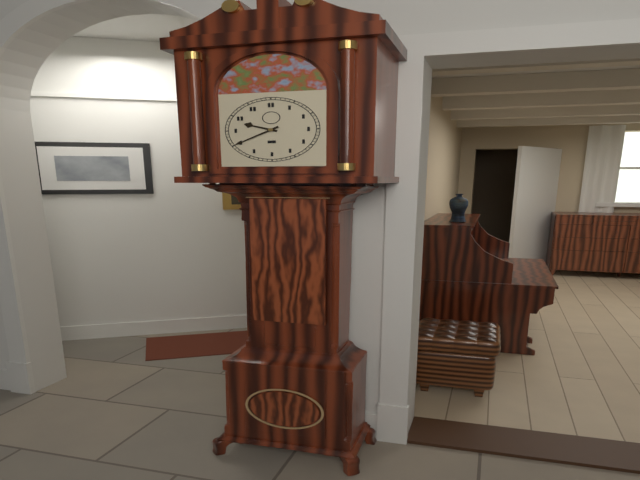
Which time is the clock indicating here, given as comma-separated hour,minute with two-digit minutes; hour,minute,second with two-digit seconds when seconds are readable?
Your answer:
9,40
